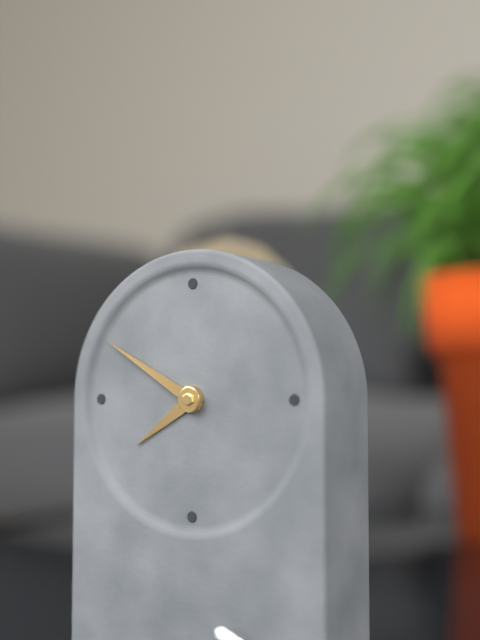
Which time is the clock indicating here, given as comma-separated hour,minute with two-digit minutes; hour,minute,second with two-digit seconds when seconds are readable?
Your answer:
7,50
